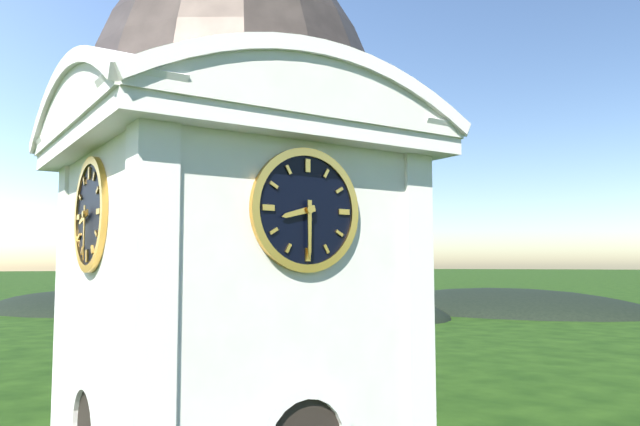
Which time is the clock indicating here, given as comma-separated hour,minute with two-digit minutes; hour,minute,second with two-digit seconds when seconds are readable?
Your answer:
8,30
